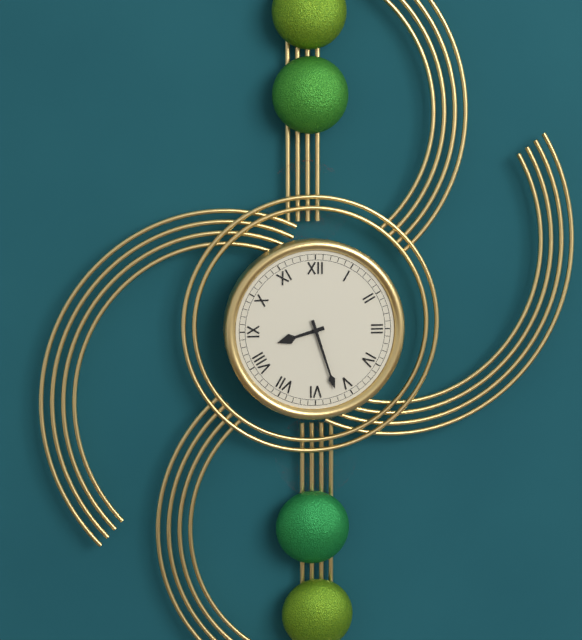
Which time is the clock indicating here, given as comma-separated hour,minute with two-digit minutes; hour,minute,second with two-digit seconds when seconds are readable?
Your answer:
8,27
